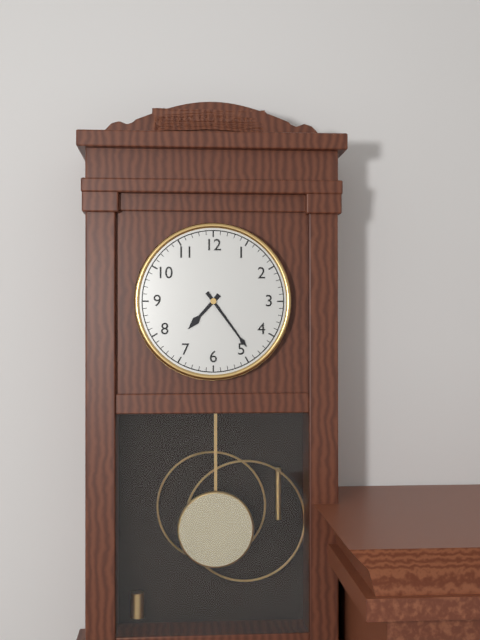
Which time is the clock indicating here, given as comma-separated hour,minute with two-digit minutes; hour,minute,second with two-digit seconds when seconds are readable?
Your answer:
7,24
